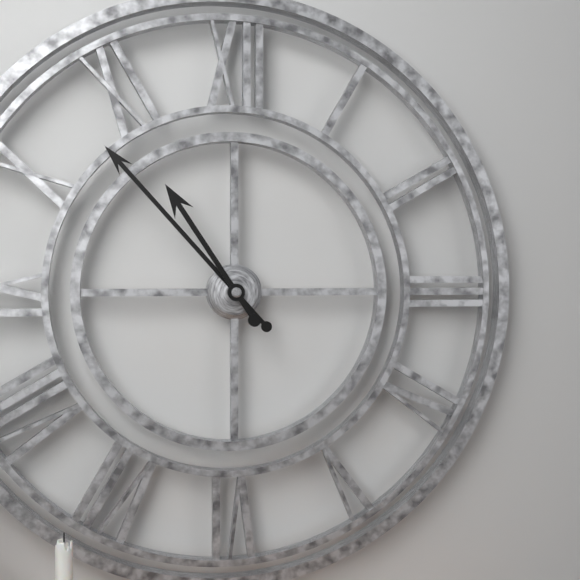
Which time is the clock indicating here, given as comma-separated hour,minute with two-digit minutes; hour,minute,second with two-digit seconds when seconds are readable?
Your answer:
10,53
